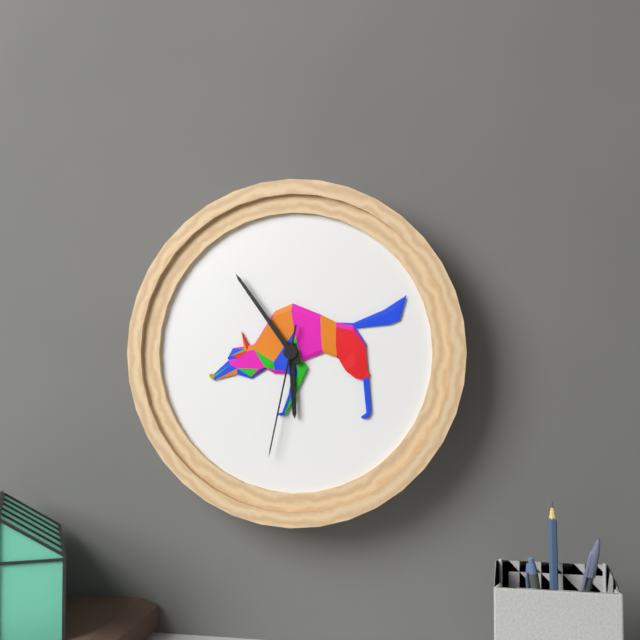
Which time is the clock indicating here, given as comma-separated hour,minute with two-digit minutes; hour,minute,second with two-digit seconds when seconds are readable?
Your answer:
5,54,32
